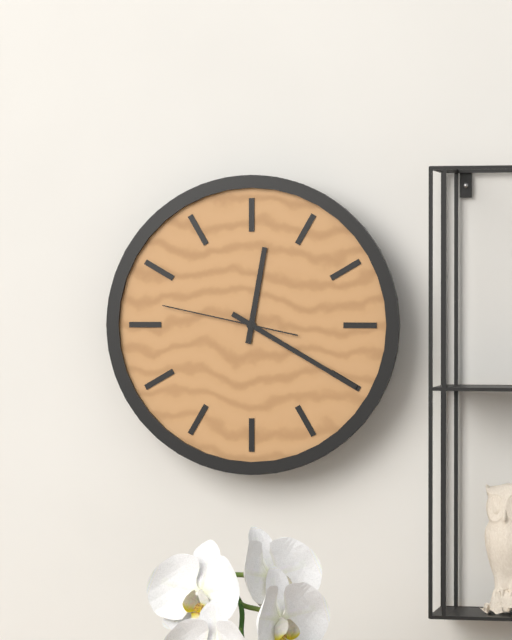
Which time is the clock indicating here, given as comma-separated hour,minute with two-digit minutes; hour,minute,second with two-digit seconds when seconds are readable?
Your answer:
12,20,47
